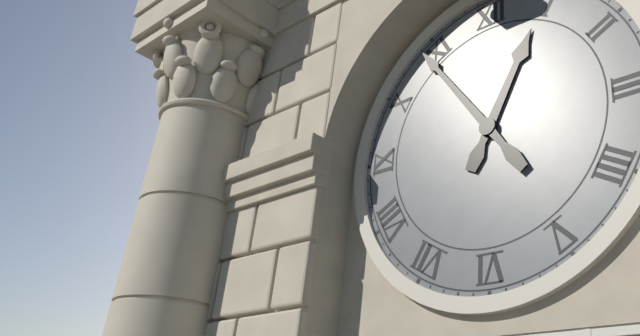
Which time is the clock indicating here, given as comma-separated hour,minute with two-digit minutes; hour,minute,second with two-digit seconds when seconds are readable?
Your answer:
12,54
